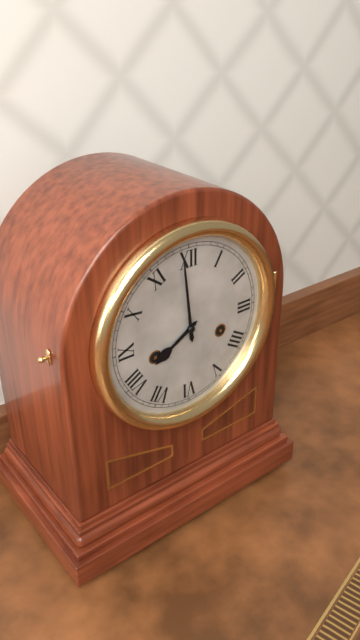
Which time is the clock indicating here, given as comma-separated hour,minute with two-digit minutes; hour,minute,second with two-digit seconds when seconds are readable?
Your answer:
7,59
